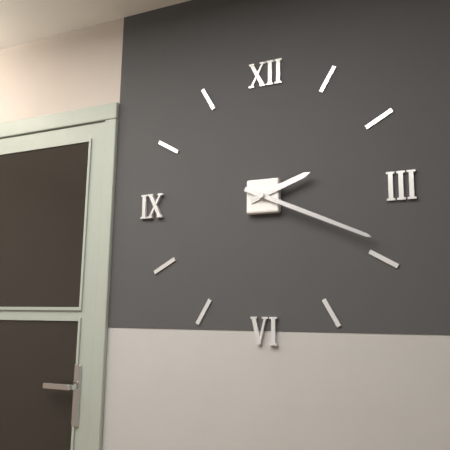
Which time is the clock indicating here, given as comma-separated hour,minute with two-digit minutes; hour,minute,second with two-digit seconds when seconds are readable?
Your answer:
2,19
